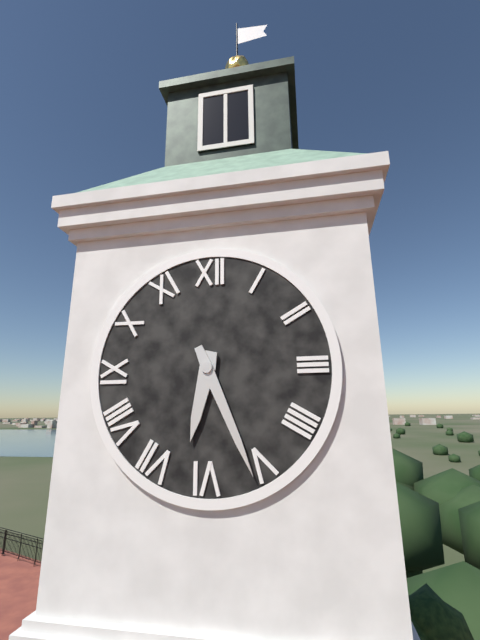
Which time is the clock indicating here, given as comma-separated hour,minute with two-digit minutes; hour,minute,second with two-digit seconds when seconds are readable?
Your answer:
6,26
